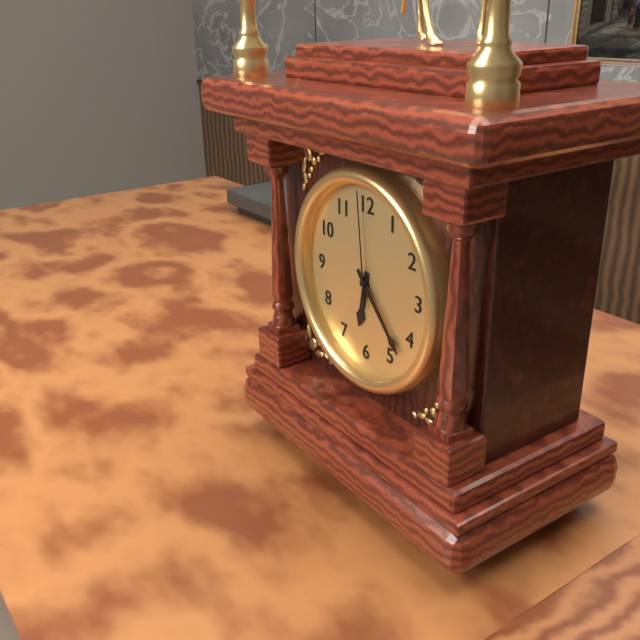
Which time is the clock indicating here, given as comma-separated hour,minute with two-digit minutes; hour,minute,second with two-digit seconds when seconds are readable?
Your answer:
6,23,59
